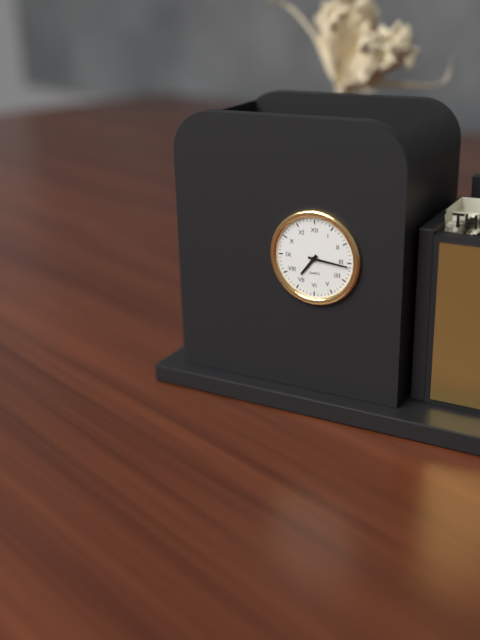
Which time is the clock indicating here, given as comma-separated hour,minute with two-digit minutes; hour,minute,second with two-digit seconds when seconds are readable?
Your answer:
7,16
